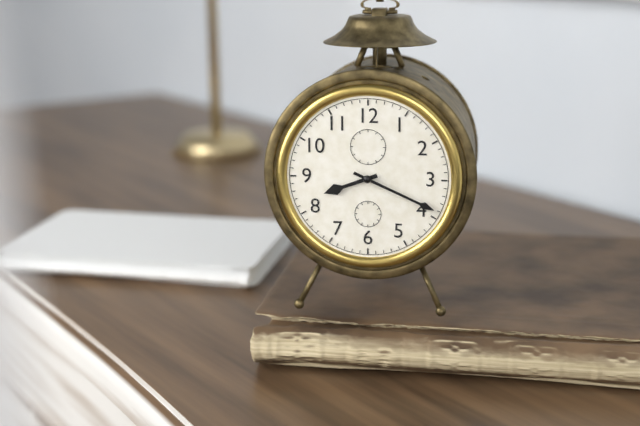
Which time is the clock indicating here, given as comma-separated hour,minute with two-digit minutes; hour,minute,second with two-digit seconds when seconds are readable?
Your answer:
8,19
